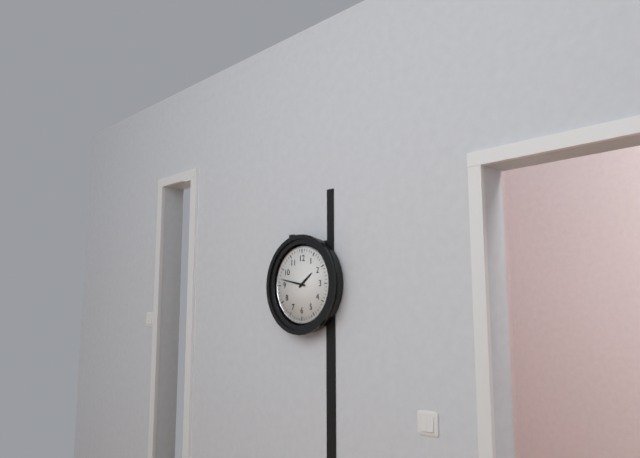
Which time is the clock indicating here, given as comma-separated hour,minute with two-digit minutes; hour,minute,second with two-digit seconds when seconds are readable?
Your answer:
1,47
